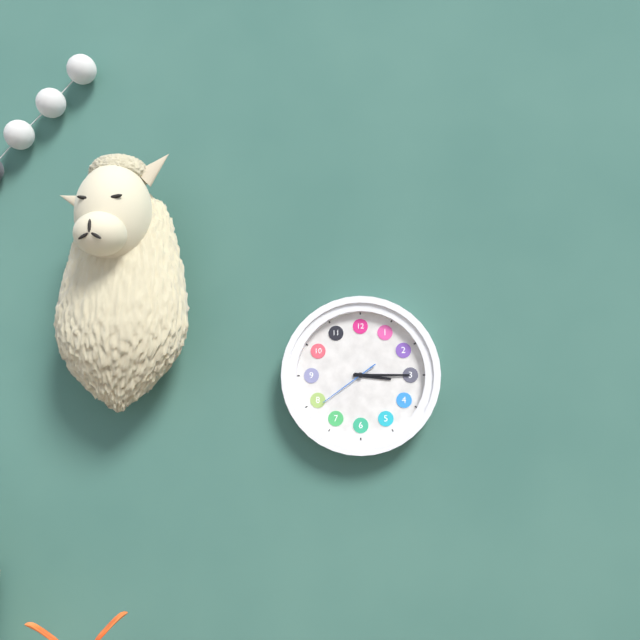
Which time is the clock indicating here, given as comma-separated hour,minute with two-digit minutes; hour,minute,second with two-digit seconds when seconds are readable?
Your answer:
3,15,39
